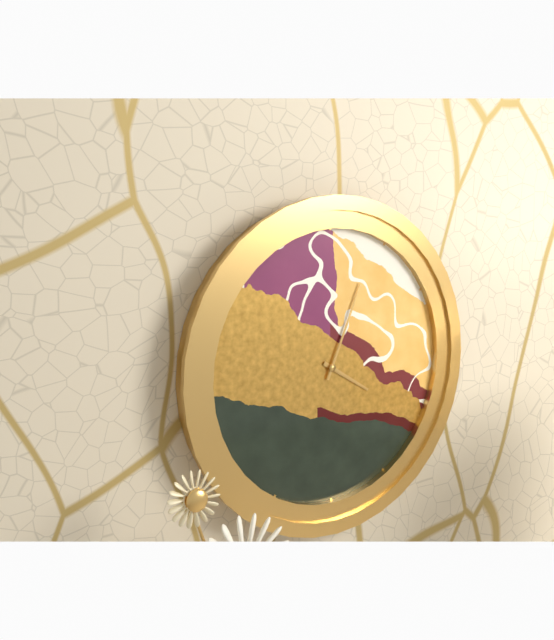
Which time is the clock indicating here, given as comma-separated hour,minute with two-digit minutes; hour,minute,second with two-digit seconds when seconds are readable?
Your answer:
4,04
